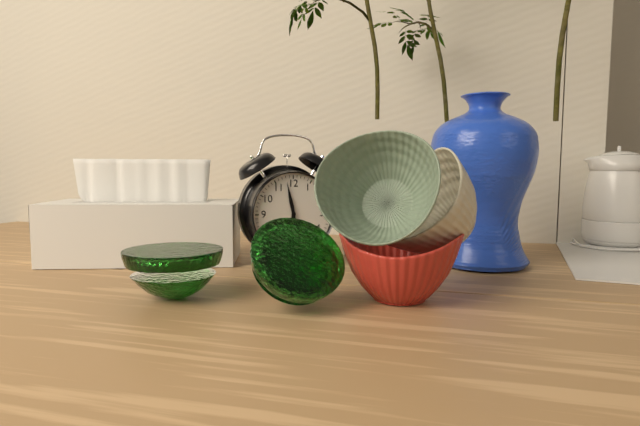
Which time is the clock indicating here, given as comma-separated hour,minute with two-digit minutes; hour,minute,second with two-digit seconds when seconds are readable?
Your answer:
5,58
